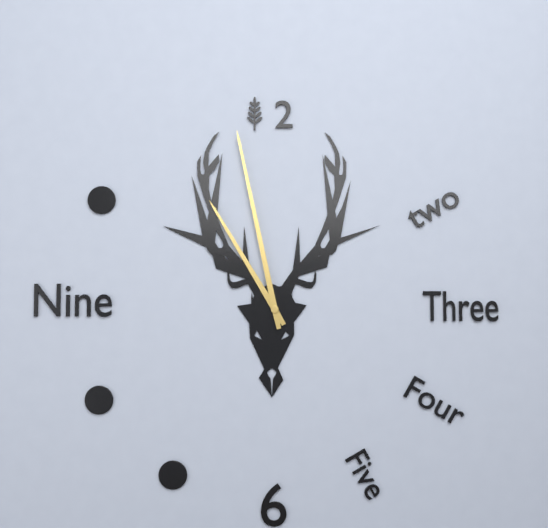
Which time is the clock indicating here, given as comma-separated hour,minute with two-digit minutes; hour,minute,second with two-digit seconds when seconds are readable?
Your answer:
10,58
